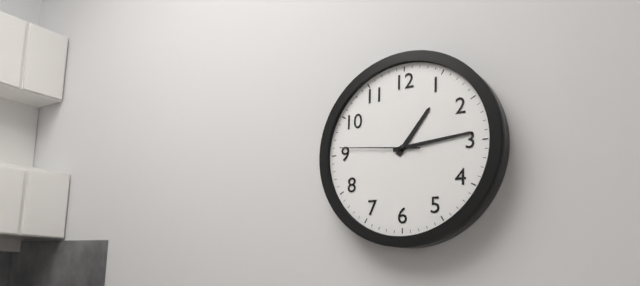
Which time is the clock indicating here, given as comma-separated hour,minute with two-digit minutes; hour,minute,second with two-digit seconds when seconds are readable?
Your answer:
1,14,46
